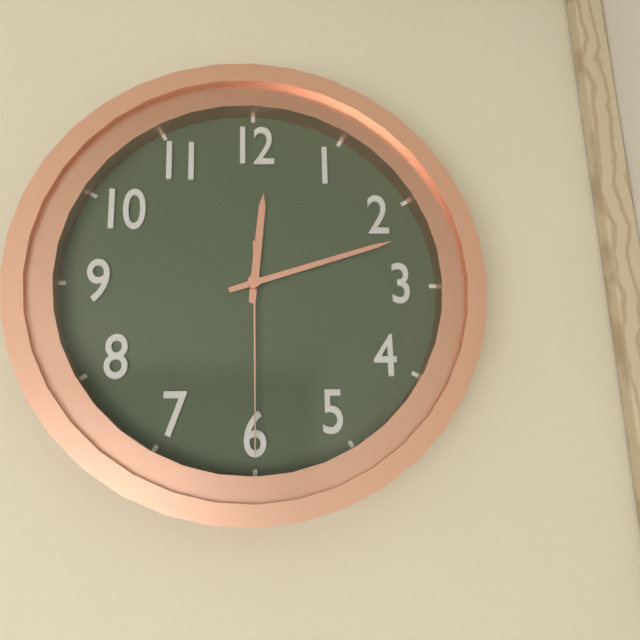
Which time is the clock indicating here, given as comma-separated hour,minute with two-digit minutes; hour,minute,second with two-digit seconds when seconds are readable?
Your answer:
12,12,30
